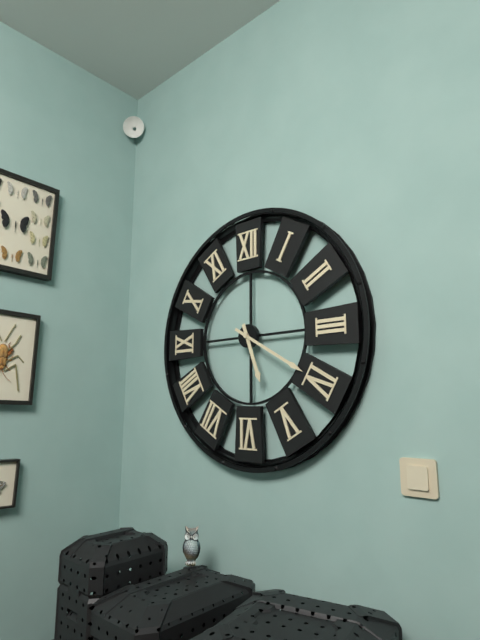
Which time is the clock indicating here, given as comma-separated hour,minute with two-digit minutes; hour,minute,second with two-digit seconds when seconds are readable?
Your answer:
5,20
